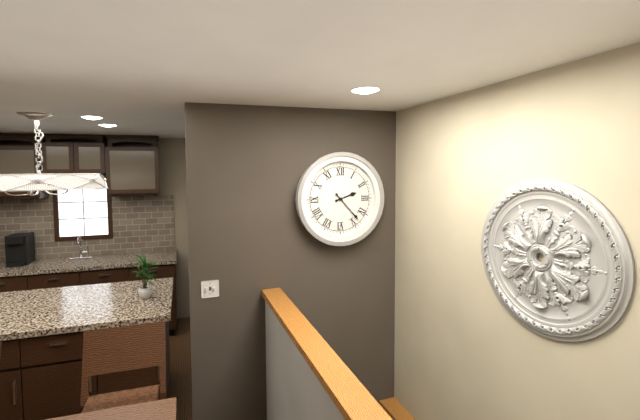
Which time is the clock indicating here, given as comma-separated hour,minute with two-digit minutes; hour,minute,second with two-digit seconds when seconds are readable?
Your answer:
2,23
